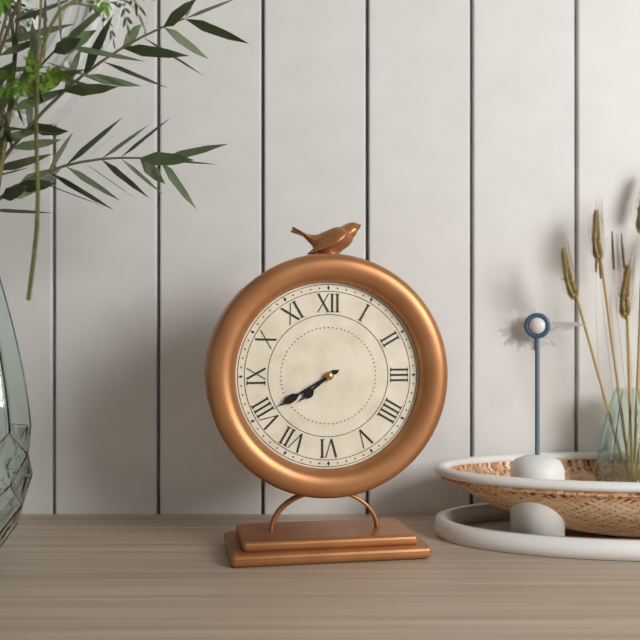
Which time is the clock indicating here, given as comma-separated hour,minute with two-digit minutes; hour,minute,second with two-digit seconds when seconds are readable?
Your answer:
7,40
